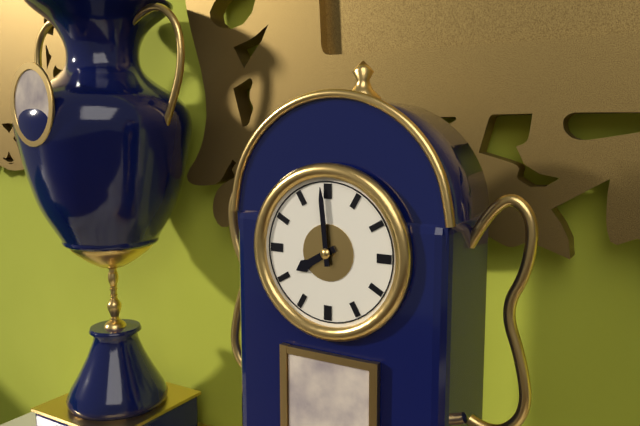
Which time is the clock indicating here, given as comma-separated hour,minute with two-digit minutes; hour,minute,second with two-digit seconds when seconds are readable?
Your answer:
7,59
